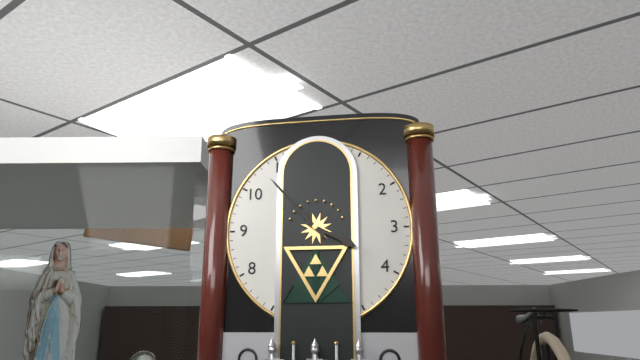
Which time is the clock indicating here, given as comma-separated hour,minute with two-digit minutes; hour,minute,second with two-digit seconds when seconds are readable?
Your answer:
3,53
